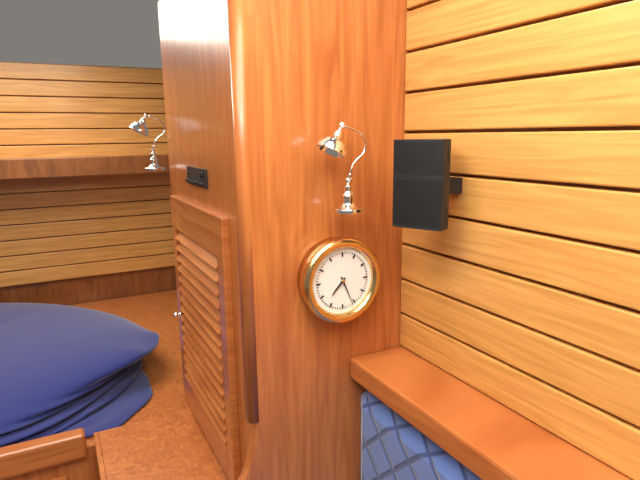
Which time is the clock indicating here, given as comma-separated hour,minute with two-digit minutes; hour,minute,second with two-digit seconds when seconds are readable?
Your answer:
7,26
